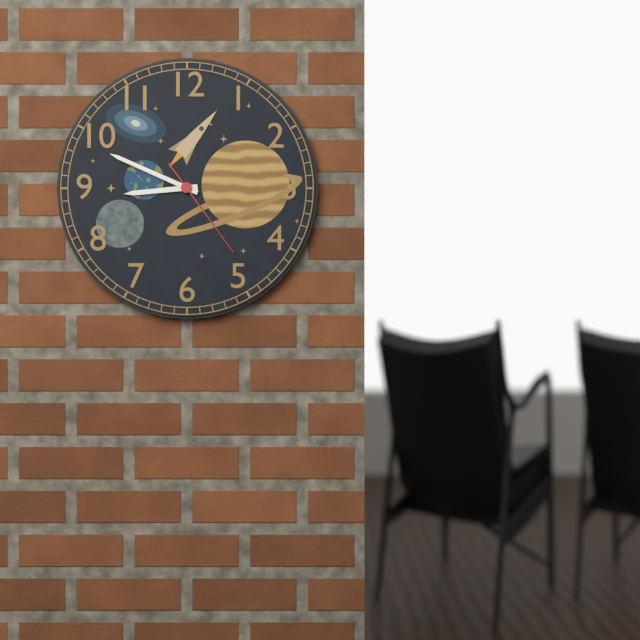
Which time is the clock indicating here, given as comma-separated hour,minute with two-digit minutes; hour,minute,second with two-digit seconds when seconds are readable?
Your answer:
8,49,24
